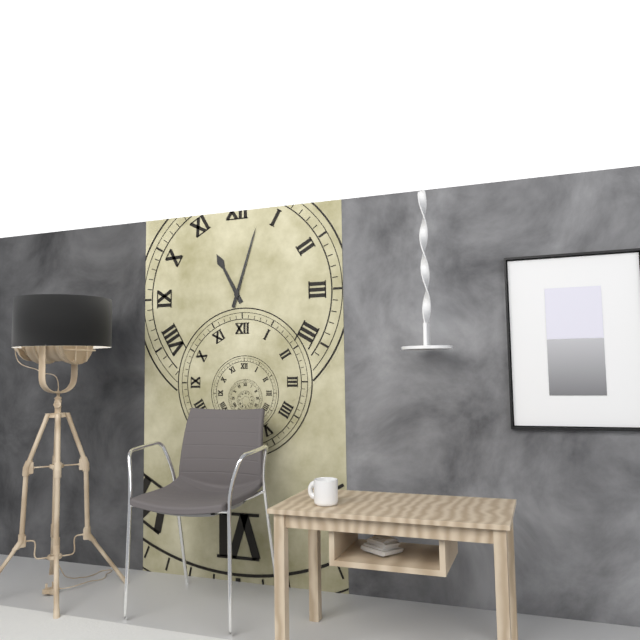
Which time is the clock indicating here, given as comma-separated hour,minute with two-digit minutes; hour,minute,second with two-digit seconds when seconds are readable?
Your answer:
11,03
